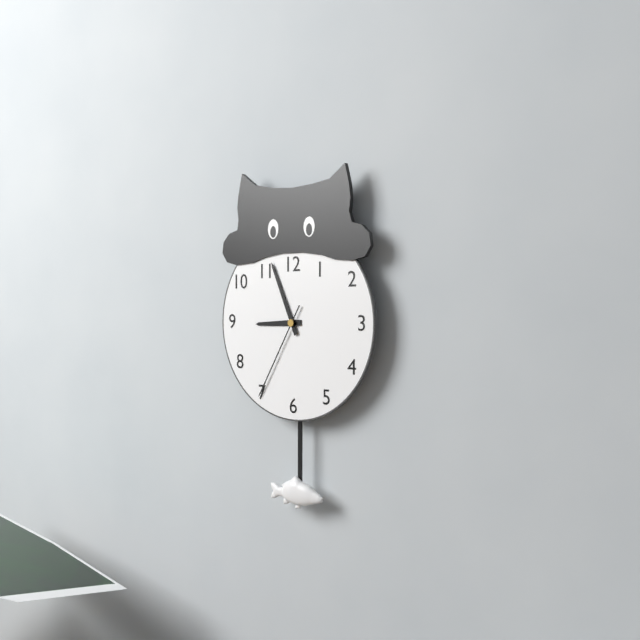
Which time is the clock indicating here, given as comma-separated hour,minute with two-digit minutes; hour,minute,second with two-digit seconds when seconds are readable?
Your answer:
8,56,35
